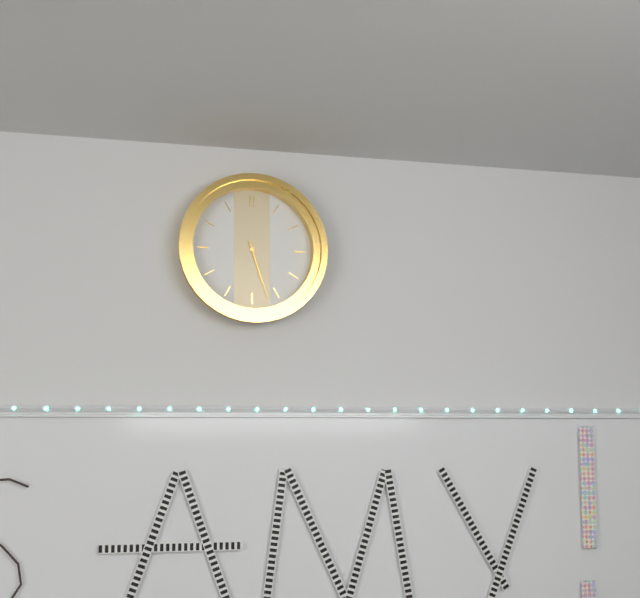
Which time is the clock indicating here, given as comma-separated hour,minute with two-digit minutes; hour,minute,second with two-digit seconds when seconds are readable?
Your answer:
5,27
